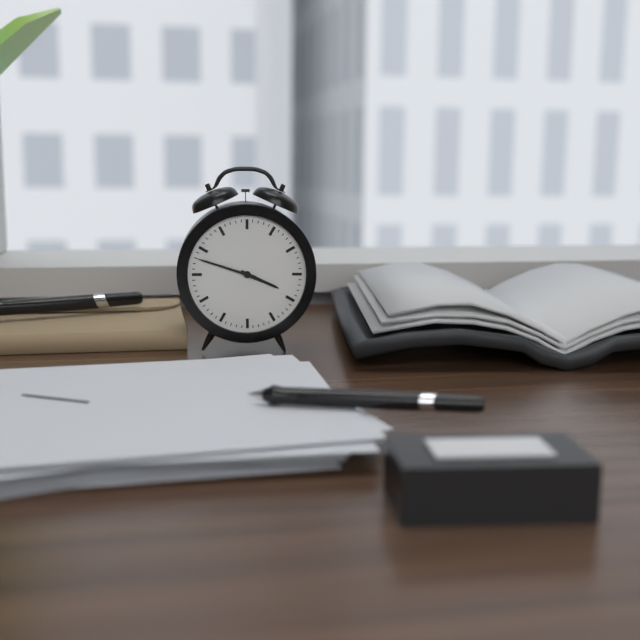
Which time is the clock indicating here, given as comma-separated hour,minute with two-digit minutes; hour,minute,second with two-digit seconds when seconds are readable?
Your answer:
3,48
